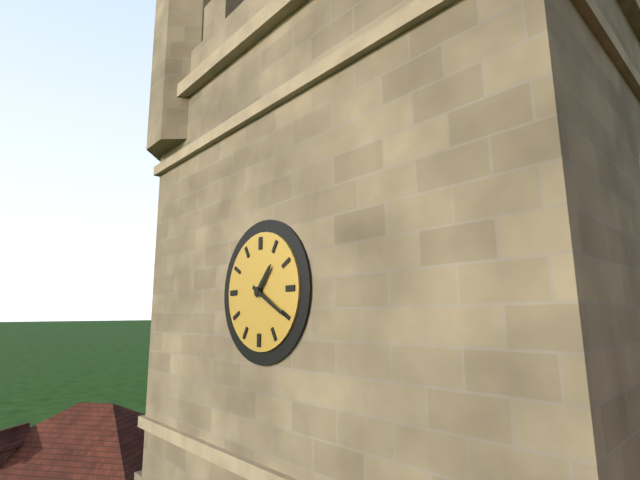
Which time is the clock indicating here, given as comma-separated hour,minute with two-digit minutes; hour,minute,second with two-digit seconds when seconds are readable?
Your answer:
1,20
